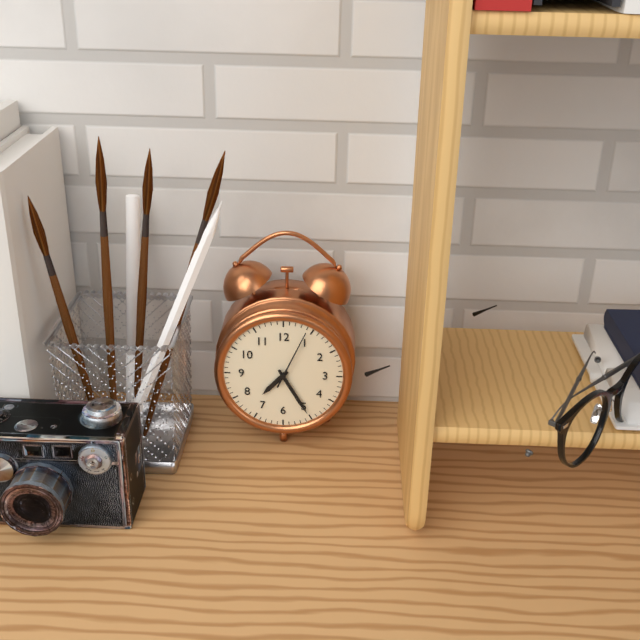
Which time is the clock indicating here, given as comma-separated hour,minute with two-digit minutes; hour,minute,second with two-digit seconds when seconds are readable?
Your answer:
7,25,04
